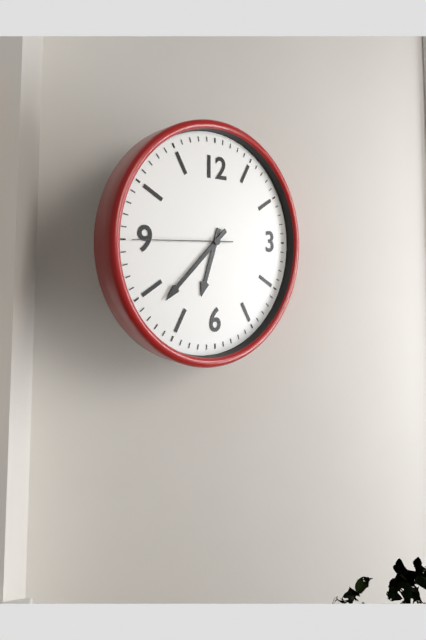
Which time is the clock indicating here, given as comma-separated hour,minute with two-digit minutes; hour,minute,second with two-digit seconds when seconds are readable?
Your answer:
6,38,45
